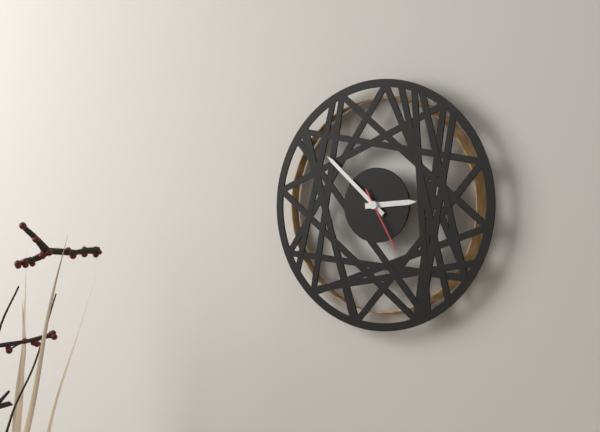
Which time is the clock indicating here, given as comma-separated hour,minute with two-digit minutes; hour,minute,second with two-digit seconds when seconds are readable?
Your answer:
2,52,25
